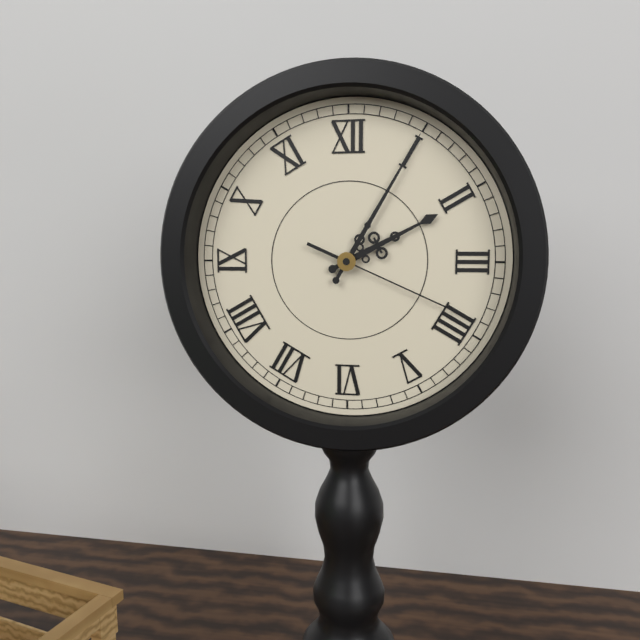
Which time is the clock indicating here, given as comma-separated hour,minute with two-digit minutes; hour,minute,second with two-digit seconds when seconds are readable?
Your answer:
2,05,19
